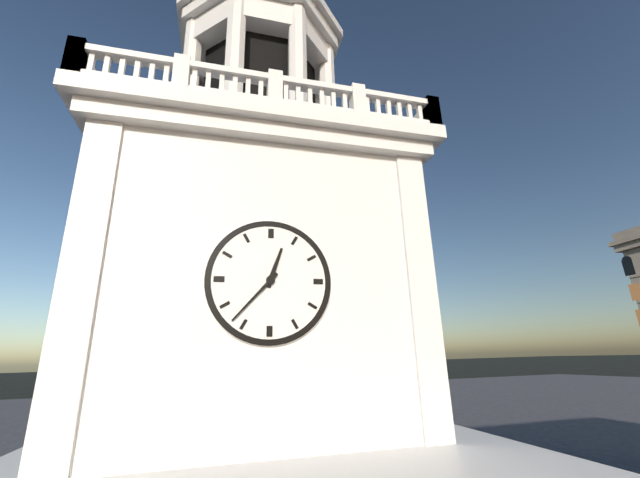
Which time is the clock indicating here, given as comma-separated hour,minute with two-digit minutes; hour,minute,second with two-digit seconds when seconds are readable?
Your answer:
12,37
